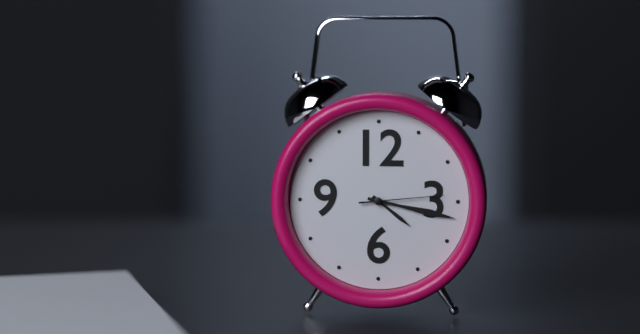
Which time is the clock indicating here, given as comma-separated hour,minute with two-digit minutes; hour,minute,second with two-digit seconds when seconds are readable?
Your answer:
4,17,14
